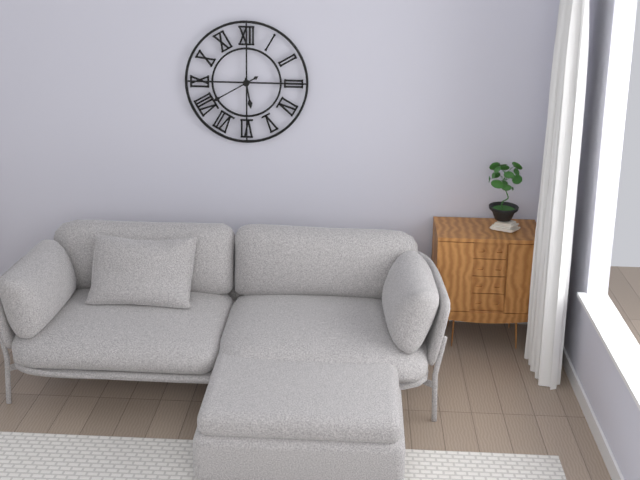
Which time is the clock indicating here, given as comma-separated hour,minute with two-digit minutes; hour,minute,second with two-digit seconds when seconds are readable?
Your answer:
5,40
